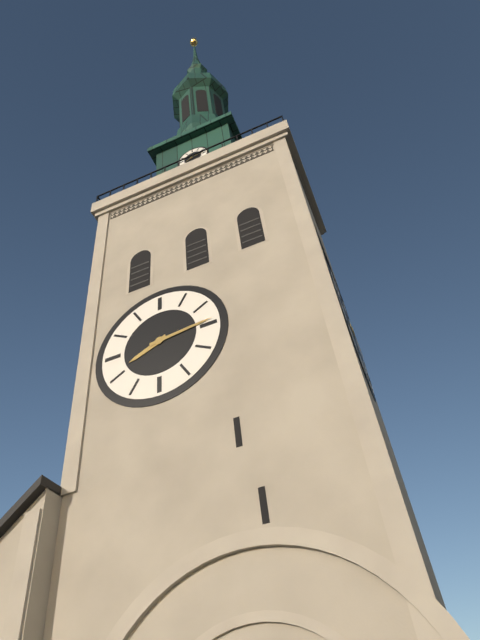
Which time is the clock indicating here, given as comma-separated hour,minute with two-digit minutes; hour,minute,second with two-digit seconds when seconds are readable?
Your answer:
8,14
